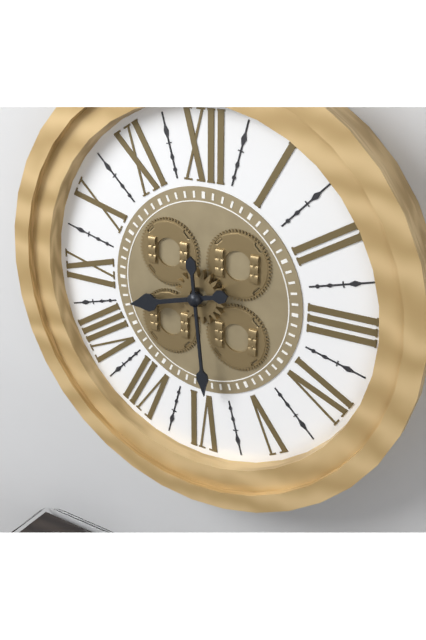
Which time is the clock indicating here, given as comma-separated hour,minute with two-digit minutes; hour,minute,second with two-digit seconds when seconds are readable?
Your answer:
8,29
